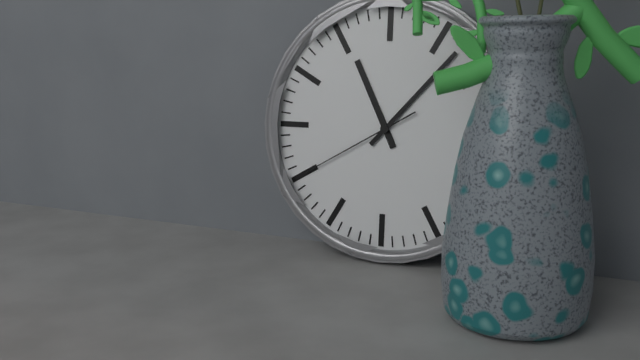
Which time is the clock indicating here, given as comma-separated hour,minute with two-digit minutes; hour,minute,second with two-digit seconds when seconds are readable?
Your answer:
11,07,40
